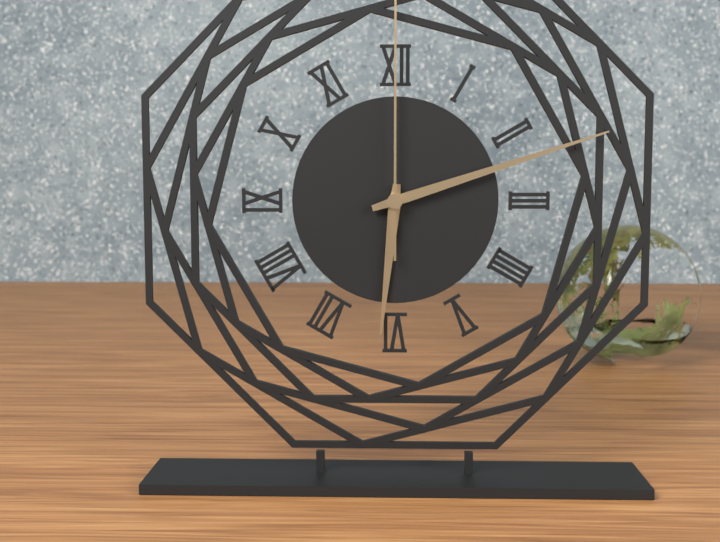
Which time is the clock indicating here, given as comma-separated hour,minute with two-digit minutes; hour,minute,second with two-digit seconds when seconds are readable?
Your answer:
6,12
